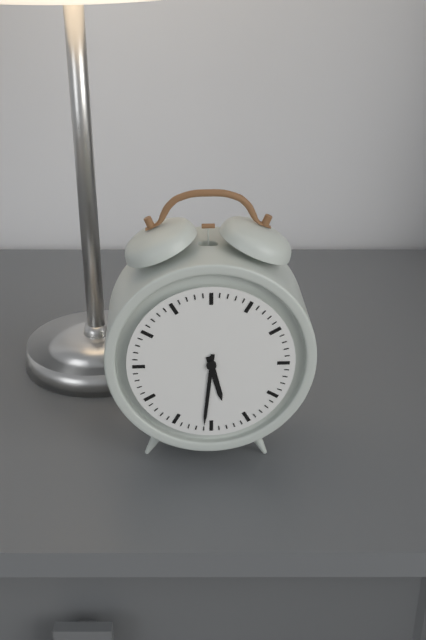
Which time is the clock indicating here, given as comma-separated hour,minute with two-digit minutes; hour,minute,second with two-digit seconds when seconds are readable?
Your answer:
5,31
